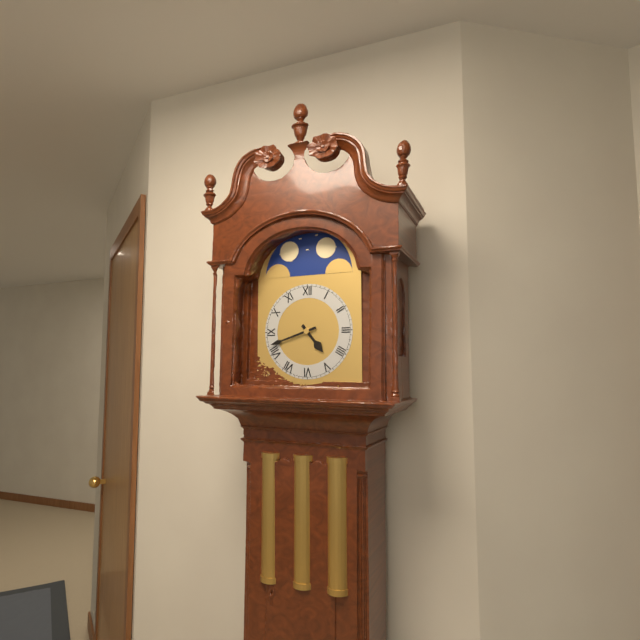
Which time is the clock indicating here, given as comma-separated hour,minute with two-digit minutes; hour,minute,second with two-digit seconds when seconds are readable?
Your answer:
4,42
